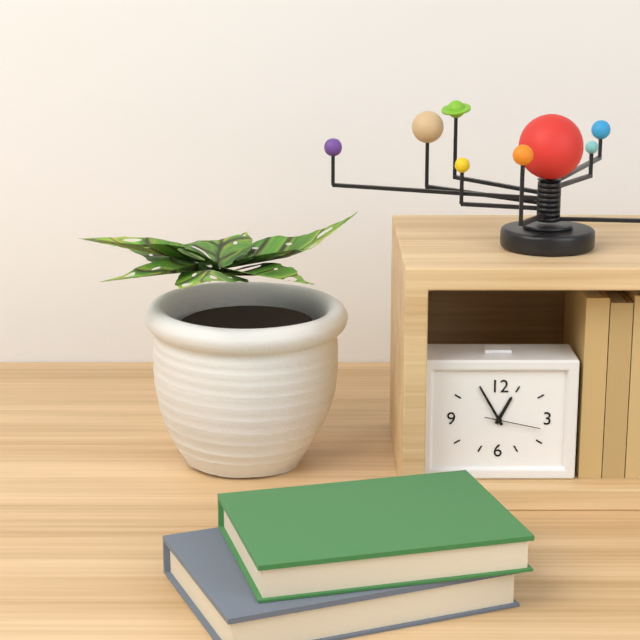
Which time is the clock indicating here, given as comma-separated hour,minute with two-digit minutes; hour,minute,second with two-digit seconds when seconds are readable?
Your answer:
12,55,17
